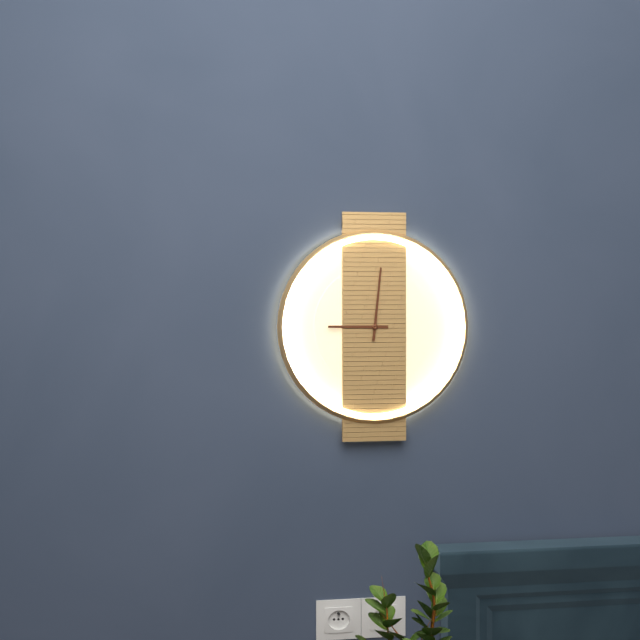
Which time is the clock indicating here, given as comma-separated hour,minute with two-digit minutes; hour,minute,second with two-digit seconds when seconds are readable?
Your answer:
9,01
